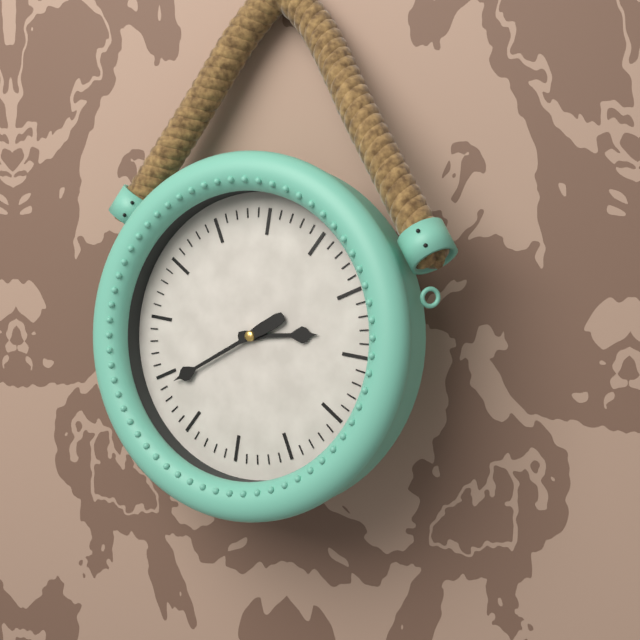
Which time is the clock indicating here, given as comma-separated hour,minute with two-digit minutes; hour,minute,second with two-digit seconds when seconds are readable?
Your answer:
2,39
